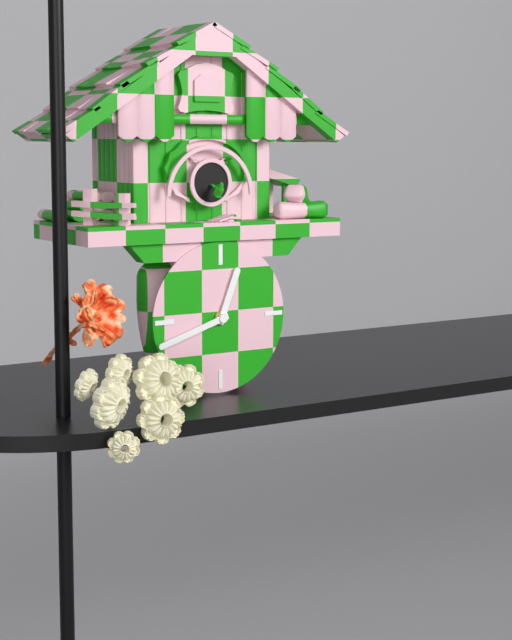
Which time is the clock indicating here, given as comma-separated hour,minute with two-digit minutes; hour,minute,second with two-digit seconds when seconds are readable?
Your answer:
12,42
